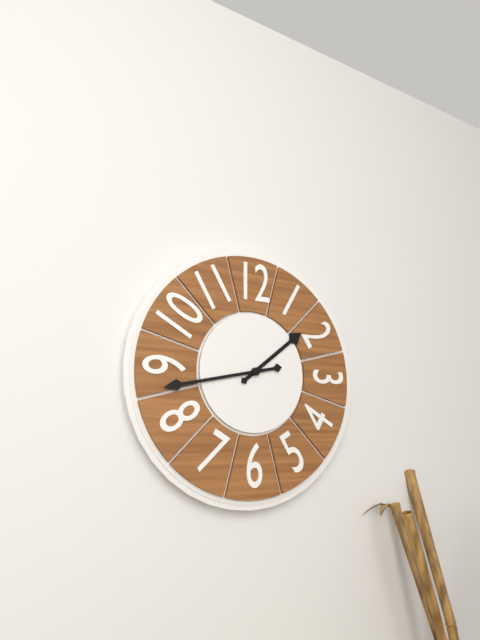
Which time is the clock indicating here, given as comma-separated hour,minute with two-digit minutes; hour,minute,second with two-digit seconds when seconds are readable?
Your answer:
1,43
